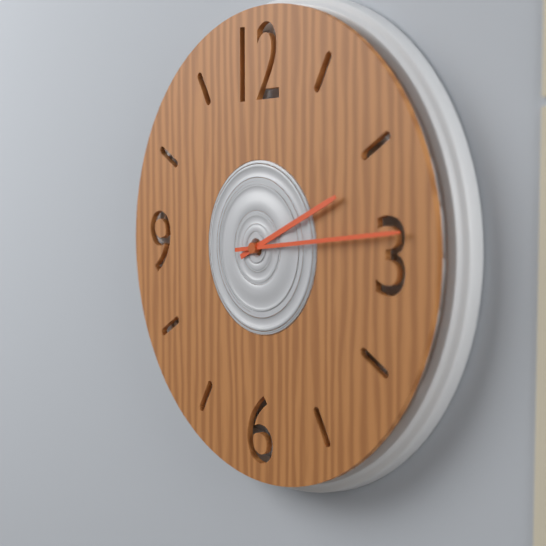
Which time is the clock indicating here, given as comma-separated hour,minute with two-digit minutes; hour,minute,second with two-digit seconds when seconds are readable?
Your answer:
2,14
